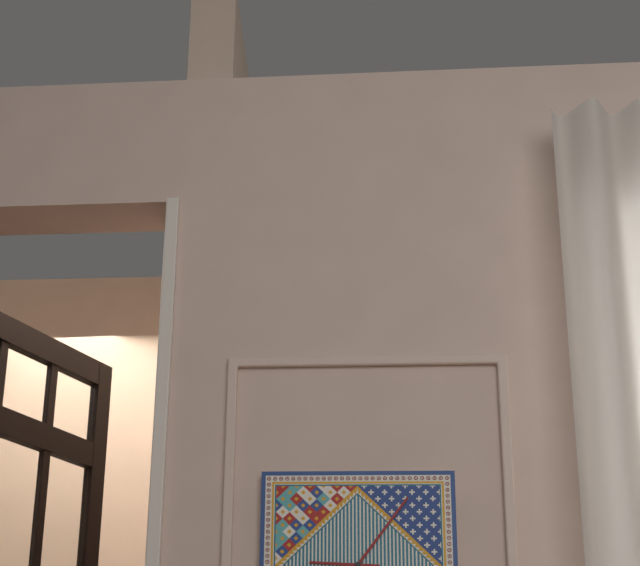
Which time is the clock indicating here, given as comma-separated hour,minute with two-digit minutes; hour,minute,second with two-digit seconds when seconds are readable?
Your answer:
9,06
